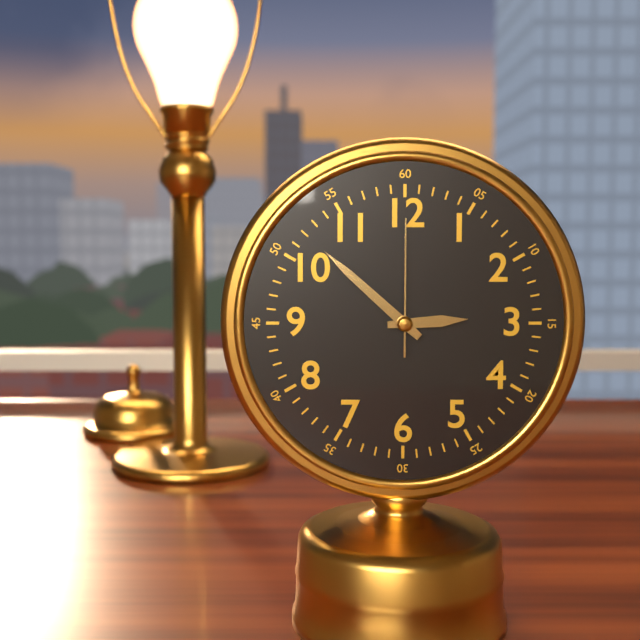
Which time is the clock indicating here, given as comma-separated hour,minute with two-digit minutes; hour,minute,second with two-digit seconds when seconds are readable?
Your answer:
2,52,00
